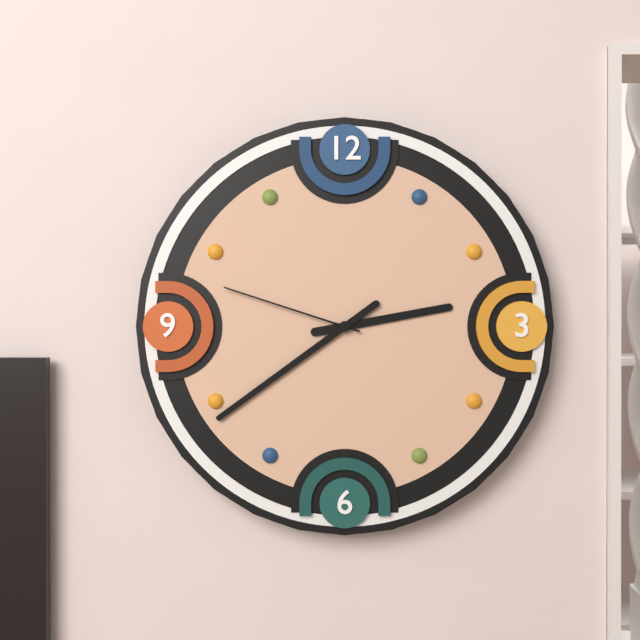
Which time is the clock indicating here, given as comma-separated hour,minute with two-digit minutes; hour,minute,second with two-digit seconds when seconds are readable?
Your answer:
2,39,48
